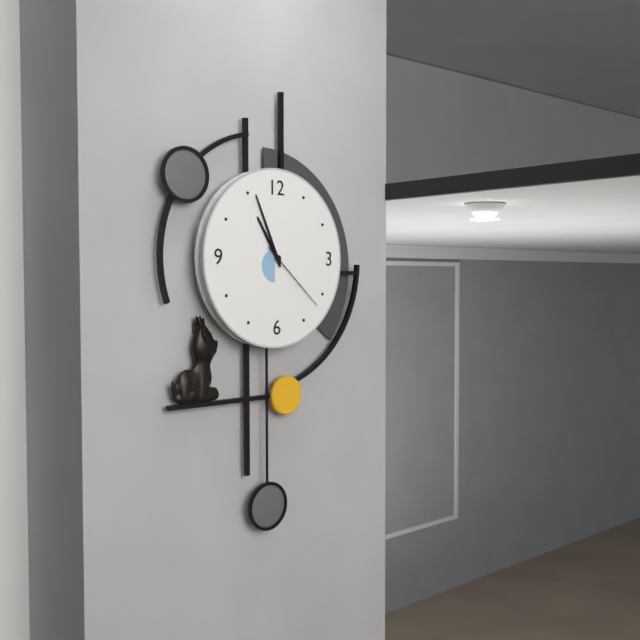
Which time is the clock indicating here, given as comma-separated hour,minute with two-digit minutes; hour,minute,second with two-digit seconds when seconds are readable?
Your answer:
10,56,22
